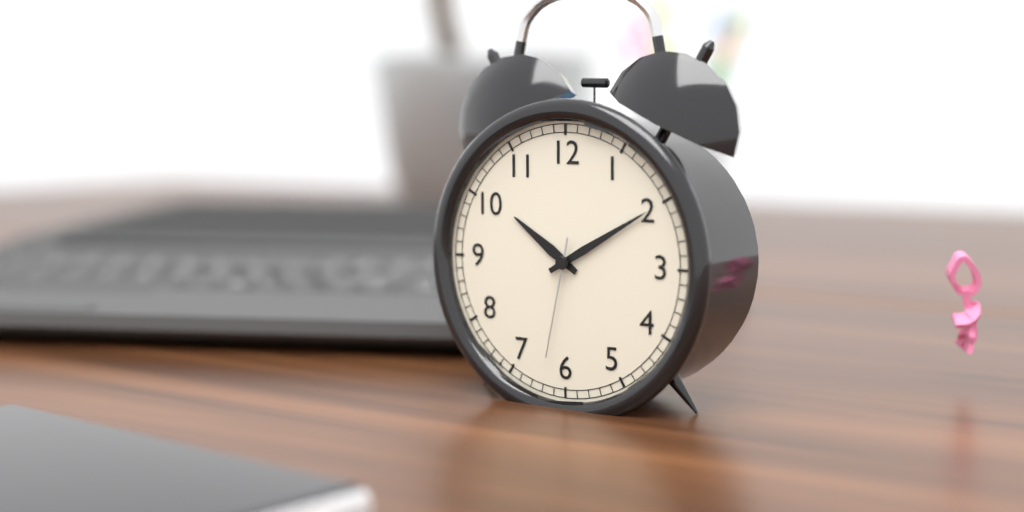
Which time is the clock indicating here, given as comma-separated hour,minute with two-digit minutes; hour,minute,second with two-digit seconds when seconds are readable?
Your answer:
10,10,32
